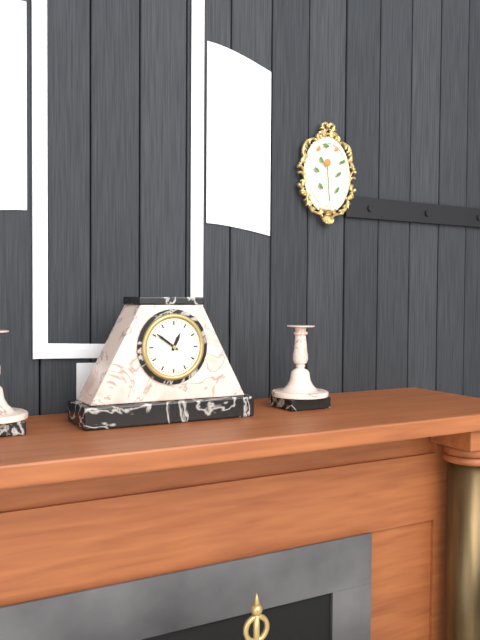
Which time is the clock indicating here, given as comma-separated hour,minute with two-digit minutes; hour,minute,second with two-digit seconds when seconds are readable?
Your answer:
12,51
